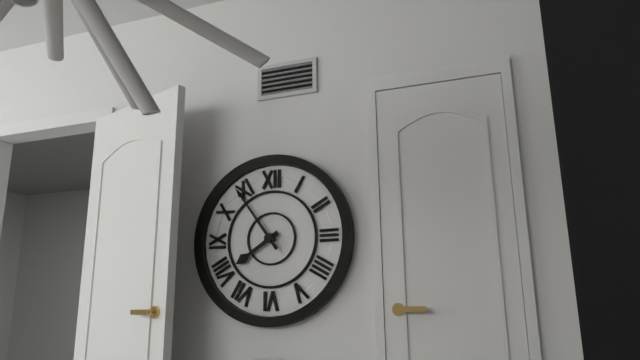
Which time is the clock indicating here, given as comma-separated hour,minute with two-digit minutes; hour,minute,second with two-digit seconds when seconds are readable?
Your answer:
7,54
